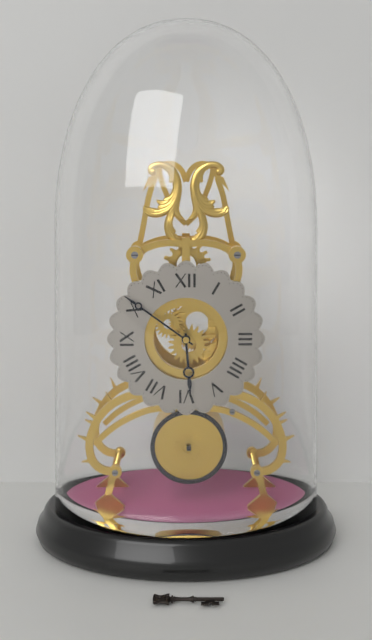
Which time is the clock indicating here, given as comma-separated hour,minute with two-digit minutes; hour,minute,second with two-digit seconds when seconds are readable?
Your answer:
5,51
